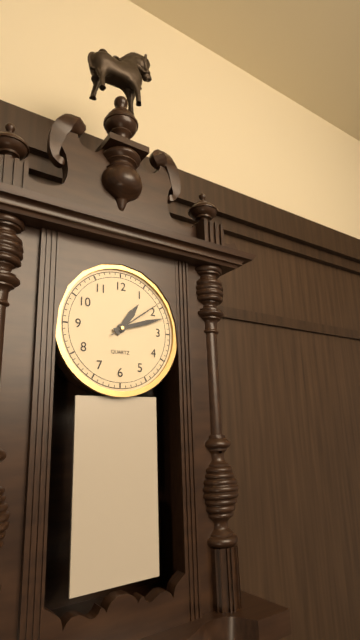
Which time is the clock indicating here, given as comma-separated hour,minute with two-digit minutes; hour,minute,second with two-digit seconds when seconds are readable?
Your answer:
1,12,09
